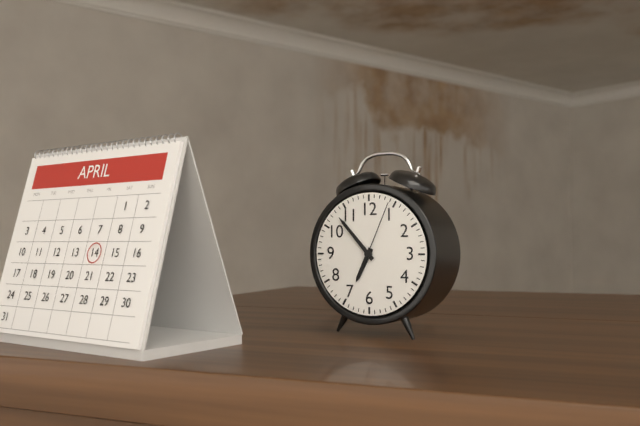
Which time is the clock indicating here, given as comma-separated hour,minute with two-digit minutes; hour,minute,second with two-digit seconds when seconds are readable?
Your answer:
6,53,04
